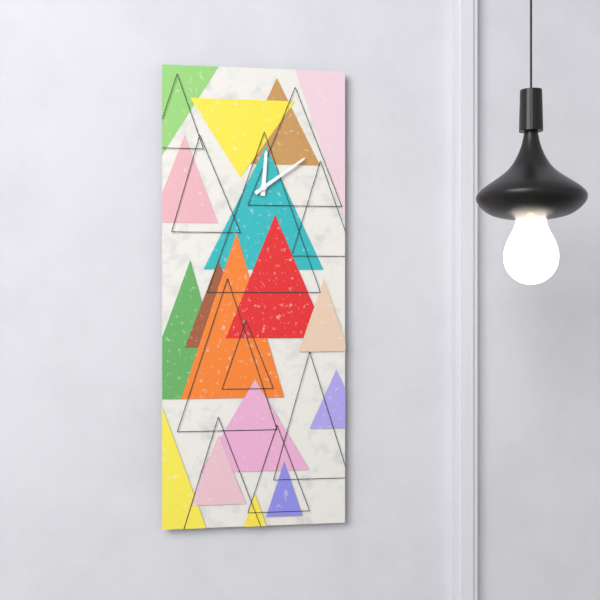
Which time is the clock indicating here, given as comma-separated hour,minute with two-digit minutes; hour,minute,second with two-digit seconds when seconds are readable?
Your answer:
12,09
